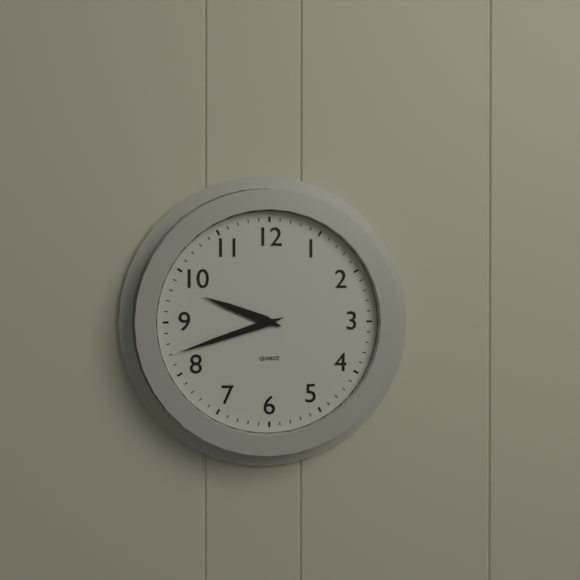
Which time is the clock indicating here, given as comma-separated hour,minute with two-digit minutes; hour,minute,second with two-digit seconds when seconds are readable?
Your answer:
9,42
